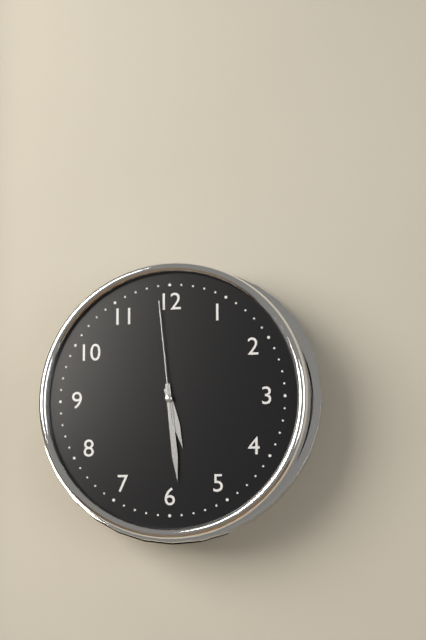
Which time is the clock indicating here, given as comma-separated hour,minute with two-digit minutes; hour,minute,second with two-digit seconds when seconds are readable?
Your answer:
5,29,59
